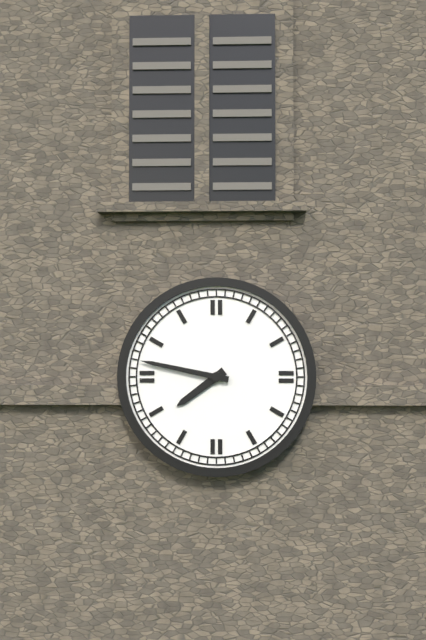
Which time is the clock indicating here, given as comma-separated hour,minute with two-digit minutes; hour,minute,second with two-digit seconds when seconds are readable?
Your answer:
7,47
